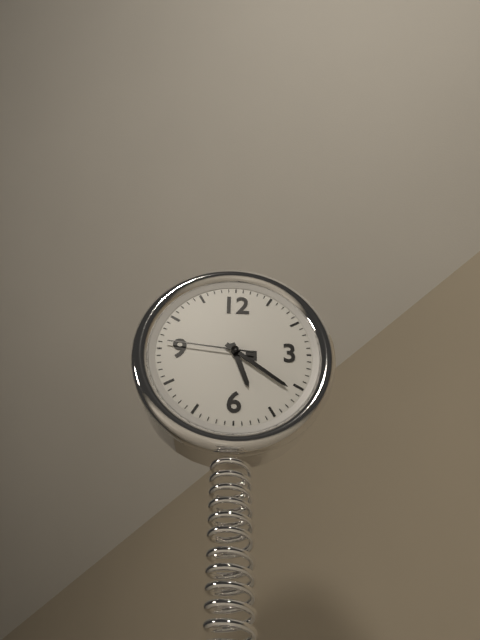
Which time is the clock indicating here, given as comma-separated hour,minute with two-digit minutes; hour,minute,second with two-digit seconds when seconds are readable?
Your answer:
5,21,46
